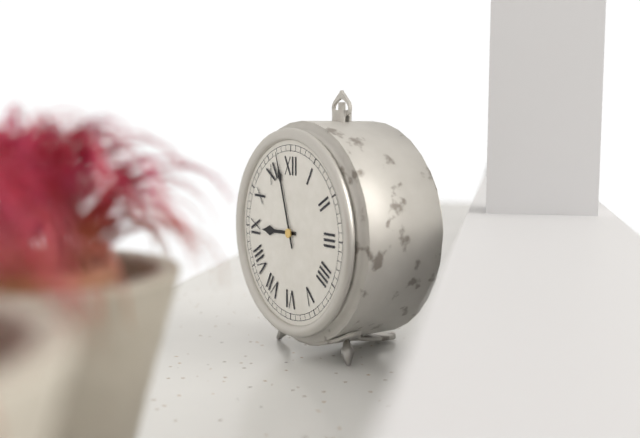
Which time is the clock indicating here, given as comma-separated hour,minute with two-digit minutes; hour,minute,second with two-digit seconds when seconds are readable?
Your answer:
8,57
